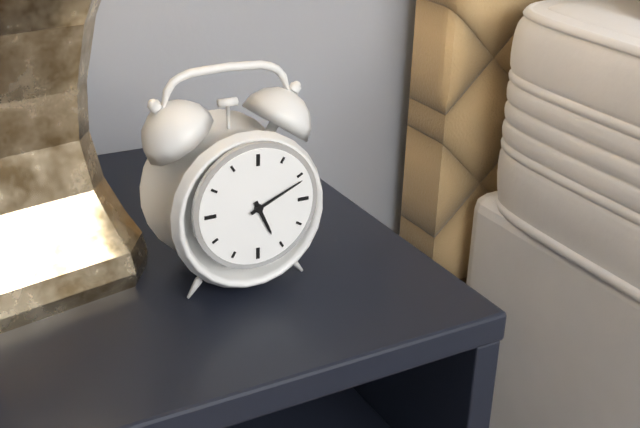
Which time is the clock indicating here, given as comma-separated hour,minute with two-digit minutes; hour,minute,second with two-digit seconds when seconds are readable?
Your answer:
5,11
